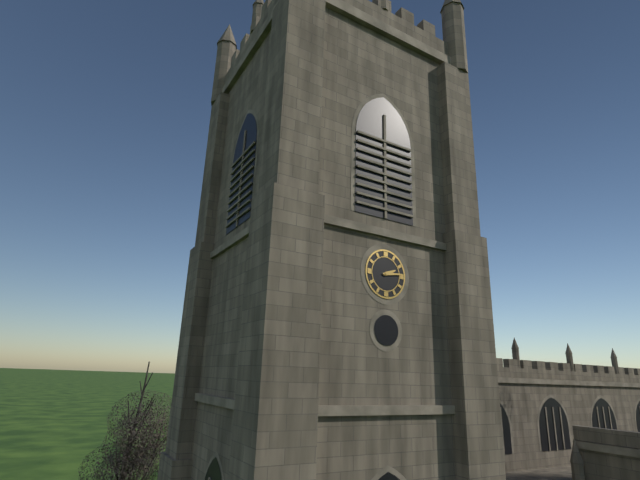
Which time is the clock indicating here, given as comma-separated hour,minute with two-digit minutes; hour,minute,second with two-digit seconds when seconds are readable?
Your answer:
2,14
